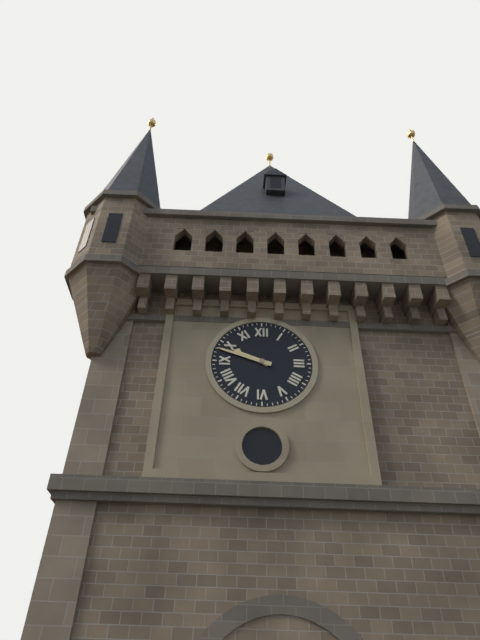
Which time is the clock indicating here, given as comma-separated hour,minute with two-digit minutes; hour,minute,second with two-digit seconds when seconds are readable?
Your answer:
9,48
